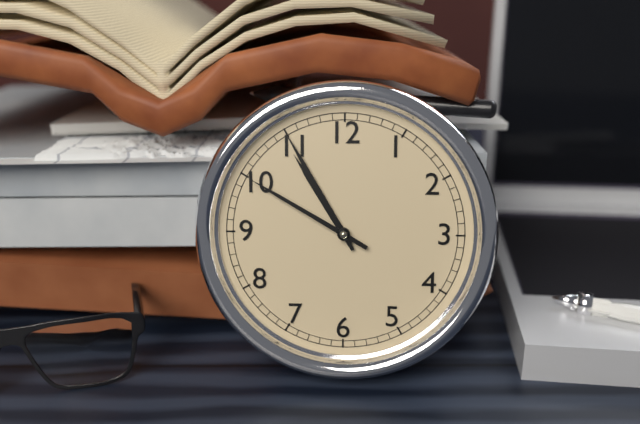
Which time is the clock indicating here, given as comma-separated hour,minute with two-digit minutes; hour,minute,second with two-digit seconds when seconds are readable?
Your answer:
10,55,50
